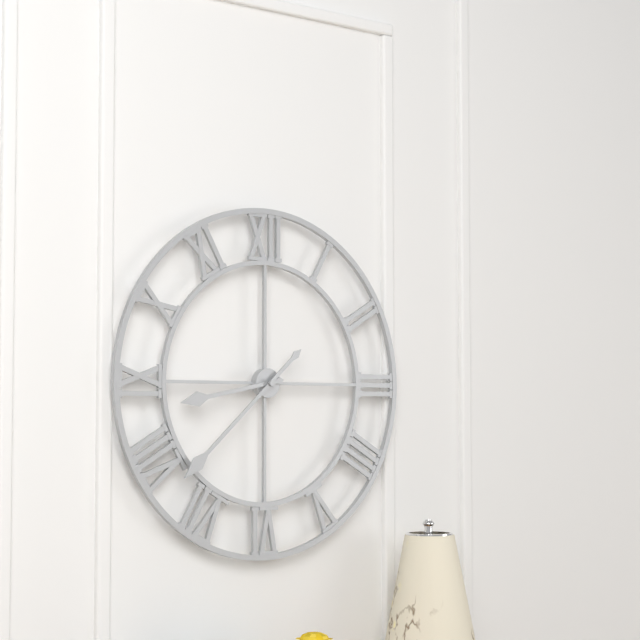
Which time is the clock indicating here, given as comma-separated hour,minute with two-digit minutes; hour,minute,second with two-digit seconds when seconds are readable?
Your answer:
8,38
